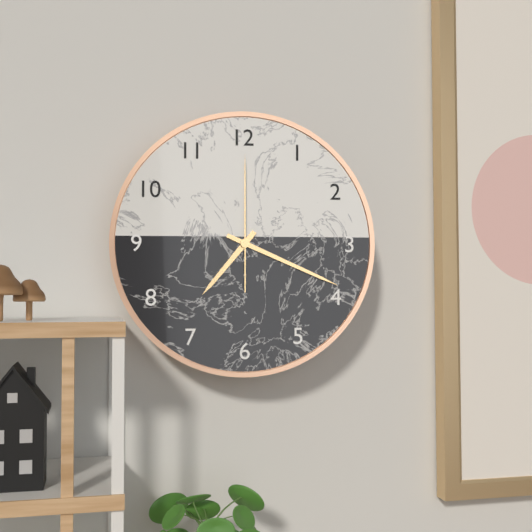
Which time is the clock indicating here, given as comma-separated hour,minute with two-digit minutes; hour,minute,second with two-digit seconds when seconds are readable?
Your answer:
7,19,00
